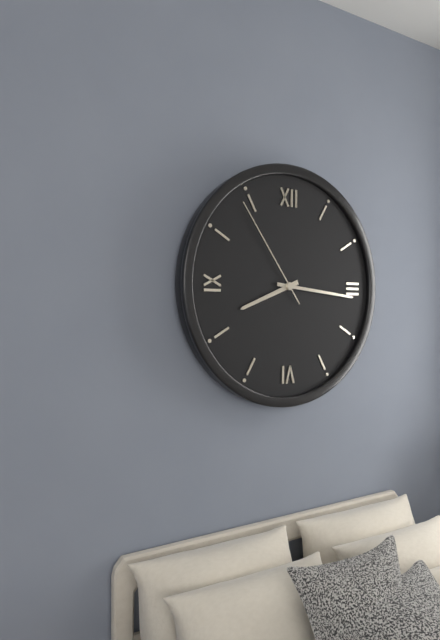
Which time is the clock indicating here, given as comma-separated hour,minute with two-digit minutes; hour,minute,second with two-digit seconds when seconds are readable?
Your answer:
8,16,54
